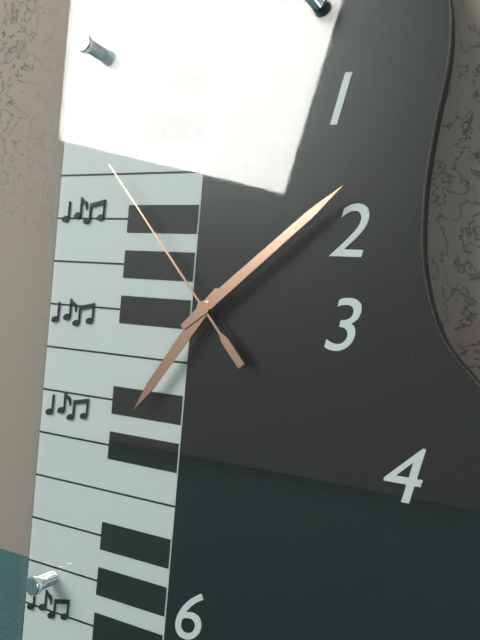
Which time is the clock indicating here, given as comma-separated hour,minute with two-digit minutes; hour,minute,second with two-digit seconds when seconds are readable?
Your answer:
7,08,53
